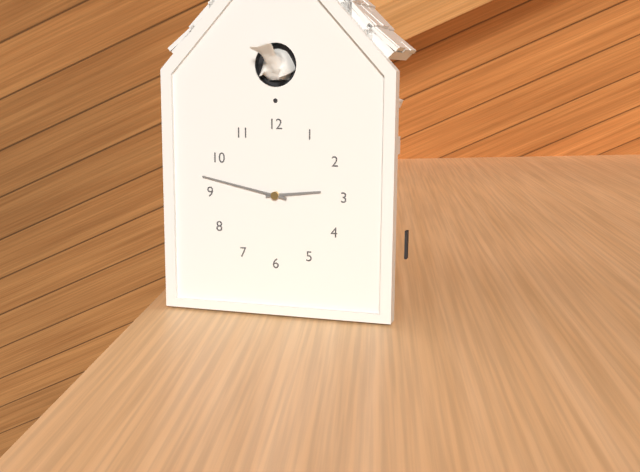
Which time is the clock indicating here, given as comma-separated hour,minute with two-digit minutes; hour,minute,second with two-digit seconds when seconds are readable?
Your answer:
2,47
